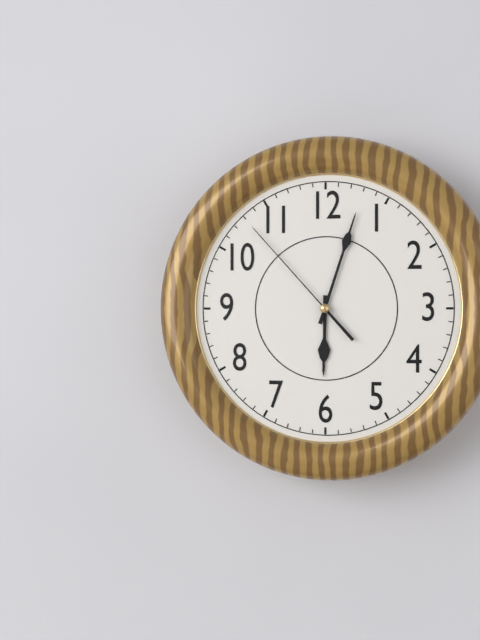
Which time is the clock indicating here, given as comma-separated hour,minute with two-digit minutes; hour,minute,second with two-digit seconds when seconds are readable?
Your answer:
6,03,53
